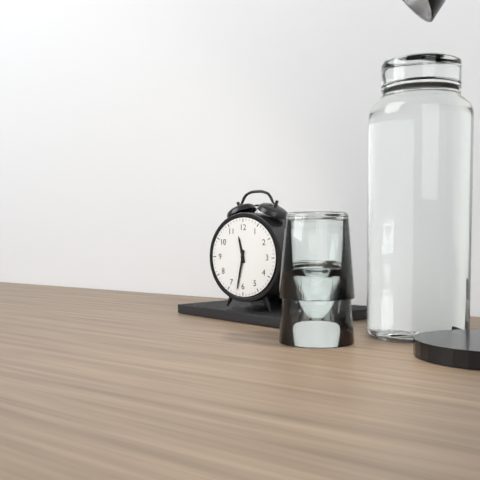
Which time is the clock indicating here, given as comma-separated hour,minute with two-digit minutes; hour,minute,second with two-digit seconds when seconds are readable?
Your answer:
11,32
